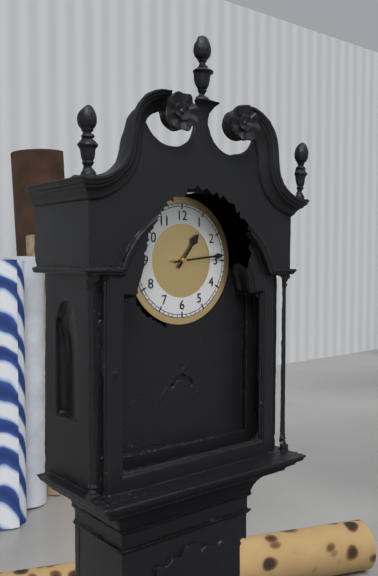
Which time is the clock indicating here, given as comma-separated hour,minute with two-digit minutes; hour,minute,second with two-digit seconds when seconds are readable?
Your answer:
1,14
